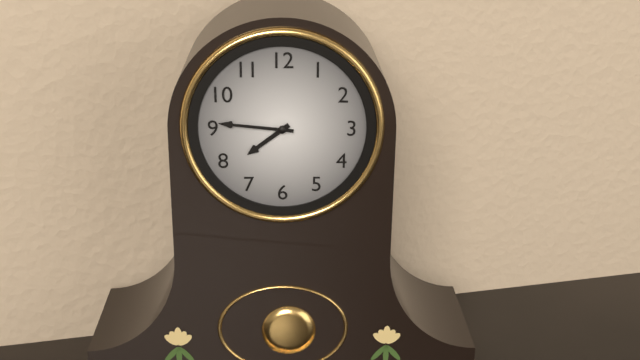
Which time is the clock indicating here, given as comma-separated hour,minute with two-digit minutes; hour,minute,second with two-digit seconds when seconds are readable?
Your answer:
7,46
